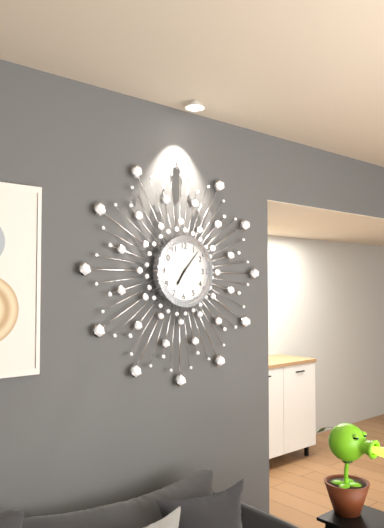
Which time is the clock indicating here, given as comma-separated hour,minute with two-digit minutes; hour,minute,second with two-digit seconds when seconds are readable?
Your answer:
7,07
